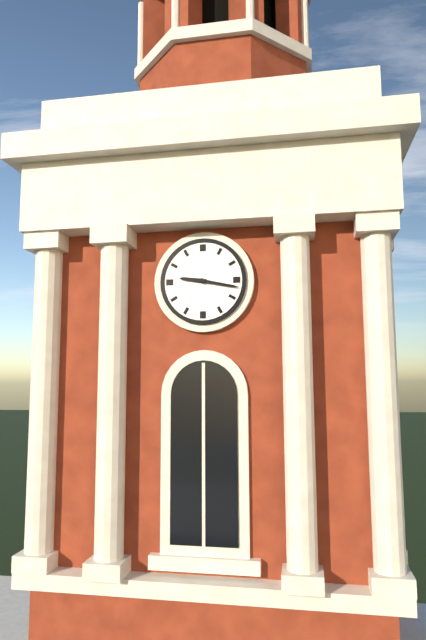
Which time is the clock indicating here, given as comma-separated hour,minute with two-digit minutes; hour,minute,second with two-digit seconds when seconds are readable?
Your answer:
9,17
